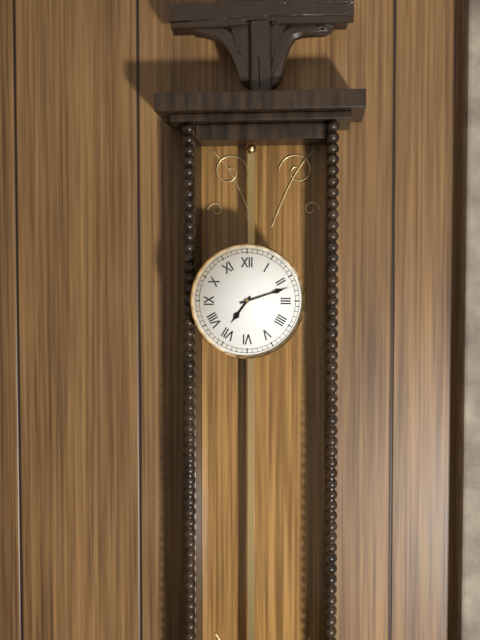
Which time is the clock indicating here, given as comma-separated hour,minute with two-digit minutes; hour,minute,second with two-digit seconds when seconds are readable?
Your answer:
7,12
